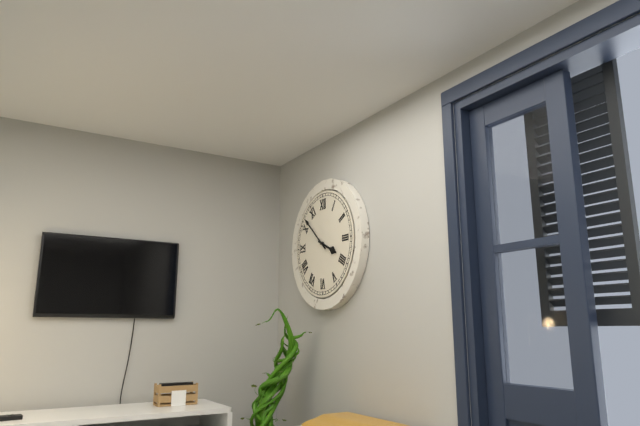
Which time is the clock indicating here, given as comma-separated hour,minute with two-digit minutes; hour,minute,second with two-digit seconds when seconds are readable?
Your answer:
3,52
